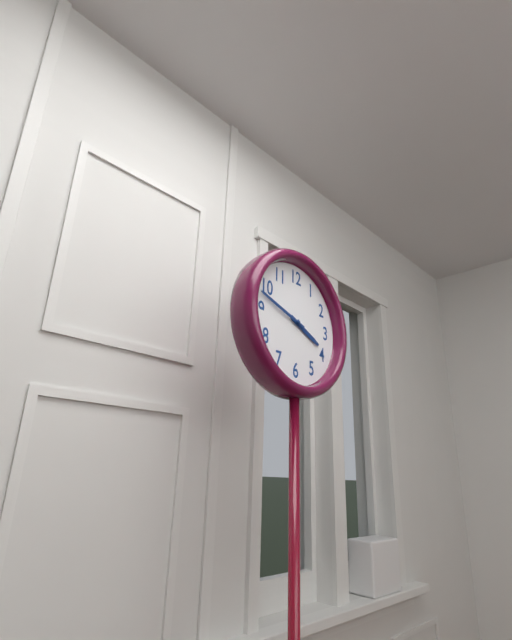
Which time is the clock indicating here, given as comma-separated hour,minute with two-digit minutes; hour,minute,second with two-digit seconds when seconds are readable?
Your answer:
3,48
